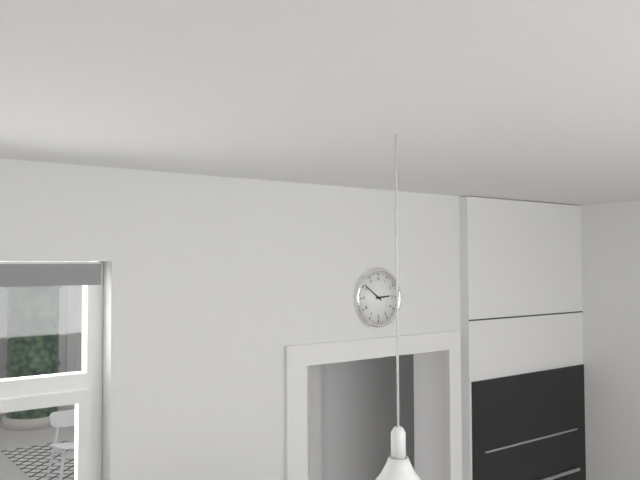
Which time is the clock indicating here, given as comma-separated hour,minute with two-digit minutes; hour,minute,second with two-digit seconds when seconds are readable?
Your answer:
2,51
